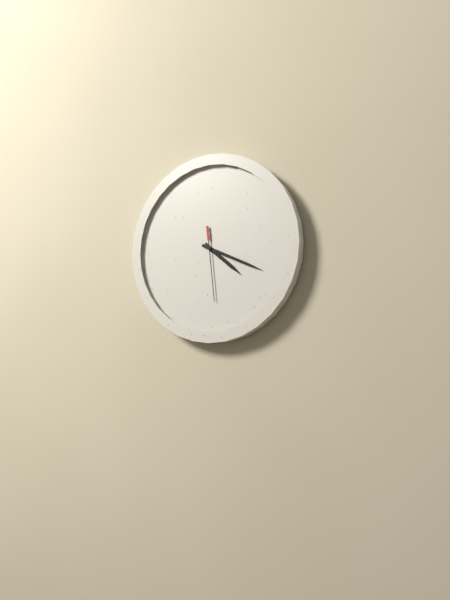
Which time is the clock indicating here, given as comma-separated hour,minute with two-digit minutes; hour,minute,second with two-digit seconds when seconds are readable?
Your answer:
4,19,29
